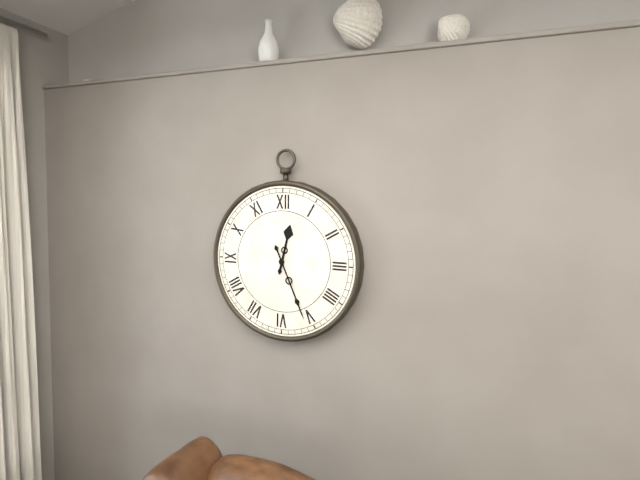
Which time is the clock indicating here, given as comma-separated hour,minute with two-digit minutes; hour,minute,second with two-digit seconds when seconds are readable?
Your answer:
12,26
